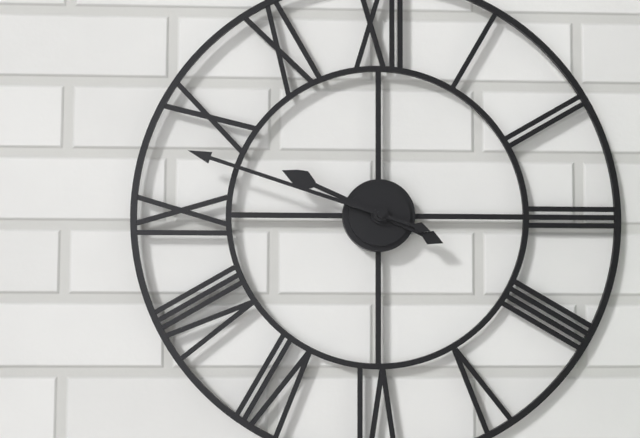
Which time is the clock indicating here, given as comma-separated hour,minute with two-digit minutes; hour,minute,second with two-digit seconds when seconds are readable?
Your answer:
9,48
